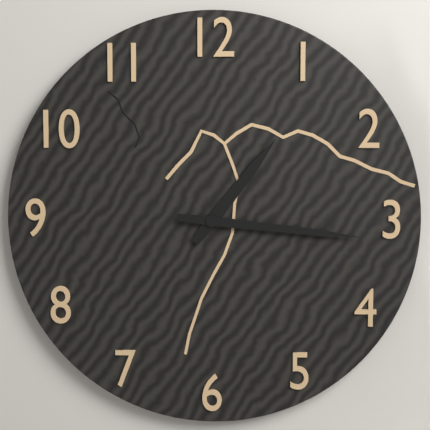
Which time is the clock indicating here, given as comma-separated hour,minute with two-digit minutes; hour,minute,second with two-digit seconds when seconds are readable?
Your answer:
1,16
